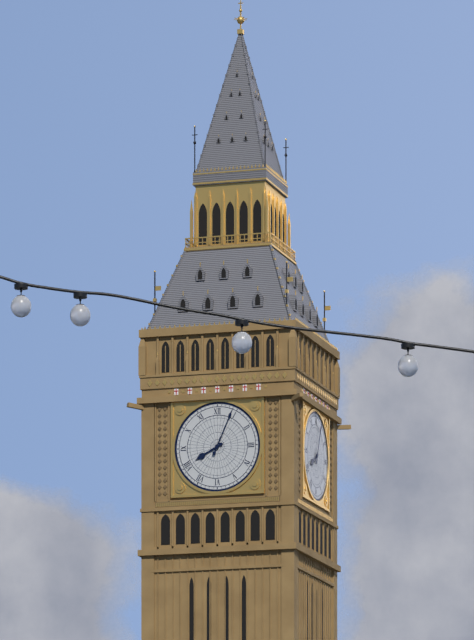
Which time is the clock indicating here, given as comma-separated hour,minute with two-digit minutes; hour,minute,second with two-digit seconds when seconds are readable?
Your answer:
8,04
